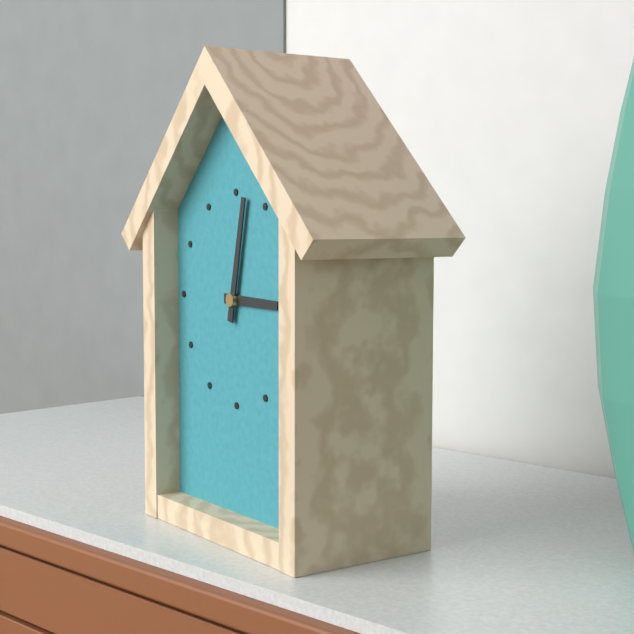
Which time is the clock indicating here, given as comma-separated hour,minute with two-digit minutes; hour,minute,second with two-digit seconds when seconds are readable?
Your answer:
3,02
